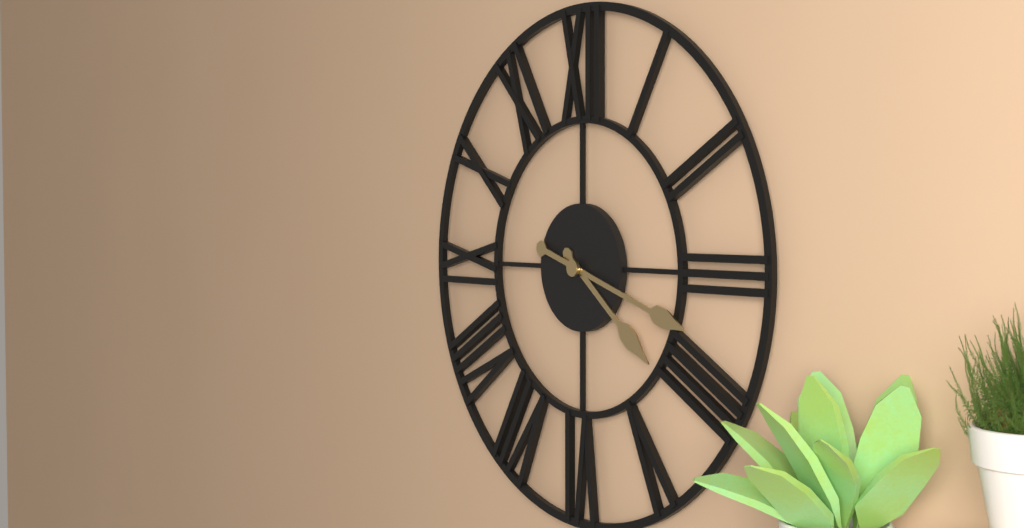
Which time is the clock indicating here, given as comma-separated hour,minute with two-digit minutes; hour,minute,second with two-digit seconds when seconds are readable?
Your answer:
4,18
